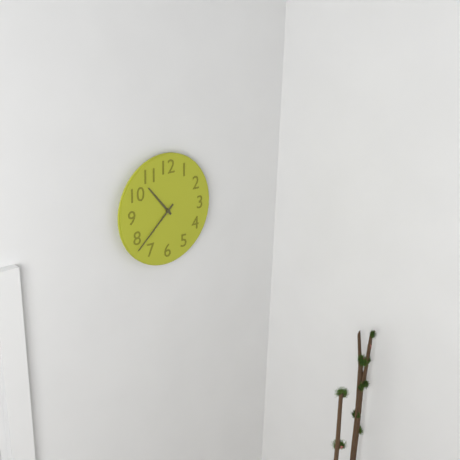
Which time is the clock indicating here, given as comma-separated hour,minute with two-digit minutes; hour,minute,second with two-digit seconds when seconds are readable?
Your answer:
10,38
